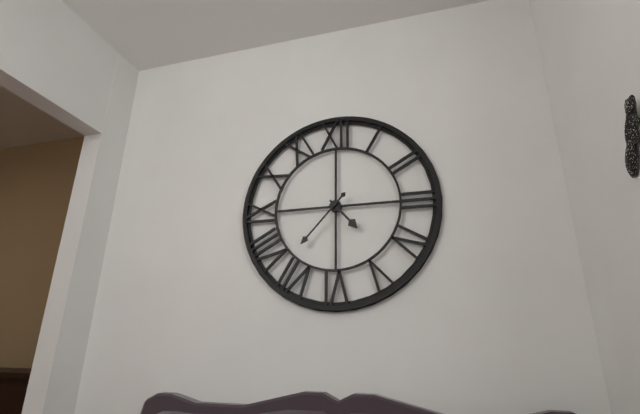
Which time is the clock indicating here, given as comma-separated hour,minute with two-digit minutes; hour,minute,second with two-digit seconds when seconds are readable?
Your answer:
4,37
